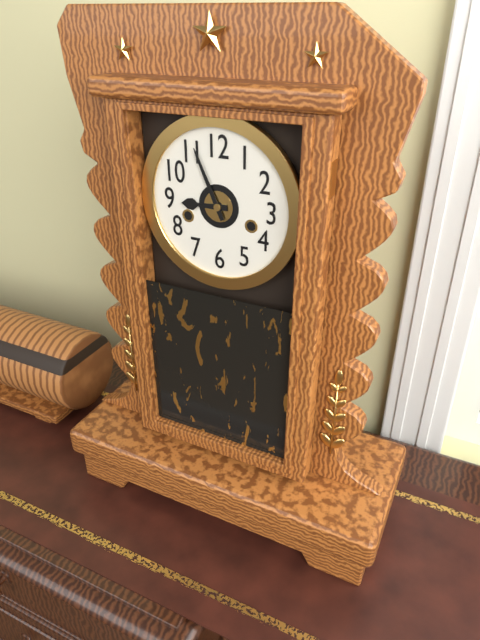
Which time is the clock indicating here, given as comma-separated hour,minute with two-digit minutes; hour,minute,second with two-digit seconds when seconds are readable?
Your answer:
8,56
